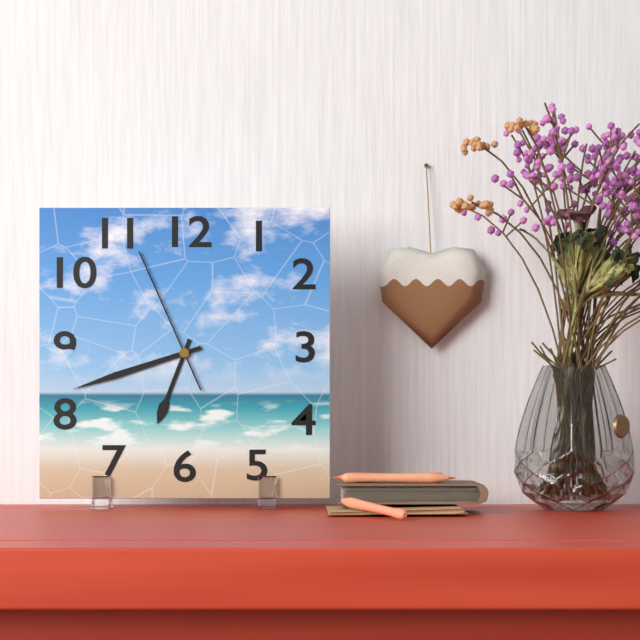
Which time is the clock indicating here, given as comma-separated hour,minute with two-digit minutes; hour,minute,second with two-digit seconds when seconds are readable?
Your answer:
6,42,56
